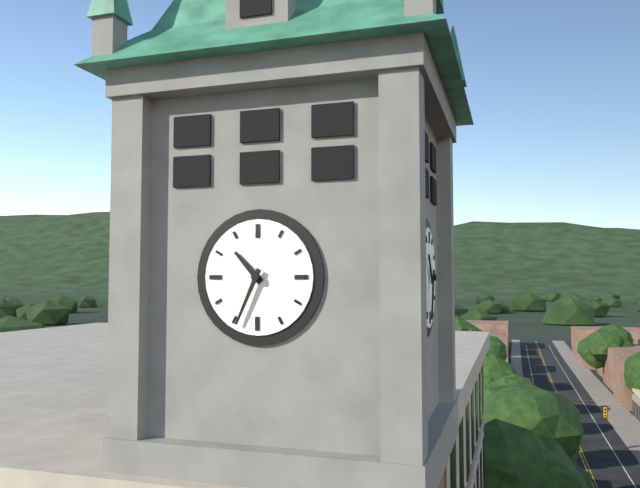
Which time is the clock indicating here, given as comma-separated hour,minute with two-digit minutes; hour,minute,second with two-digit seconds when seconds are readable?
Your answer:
10,34
